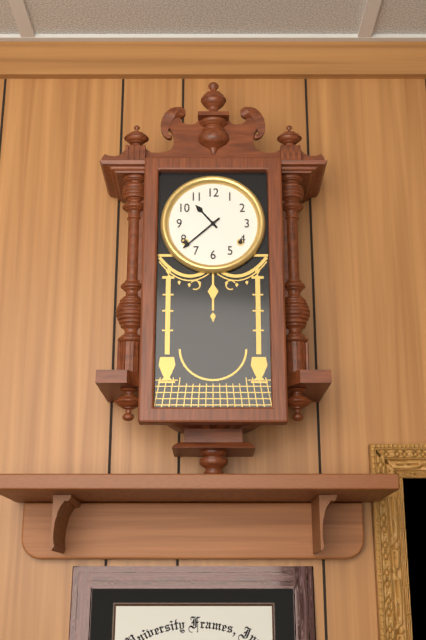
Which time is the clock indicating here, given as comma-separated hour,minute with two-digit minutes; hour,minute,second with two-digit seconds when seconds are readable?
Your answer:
10,38
